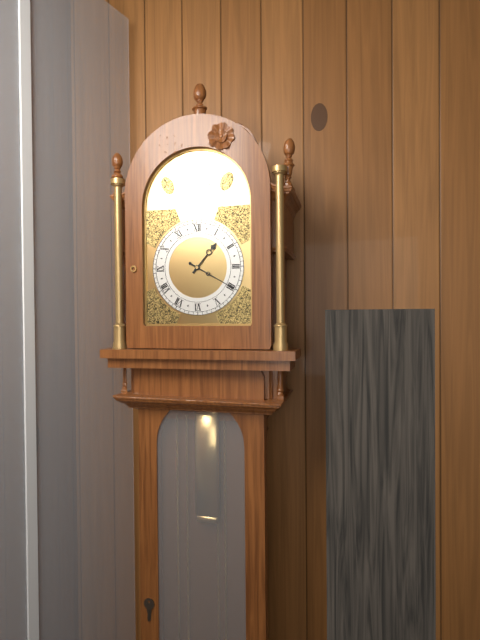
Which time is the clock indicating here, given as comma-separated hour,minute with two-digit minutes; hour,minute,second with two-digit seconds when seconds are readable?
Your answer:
1,20
